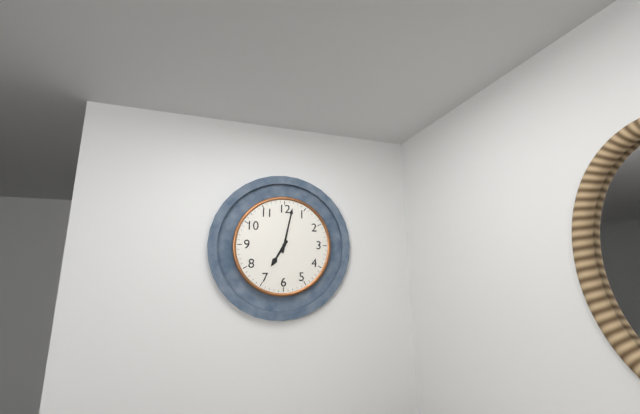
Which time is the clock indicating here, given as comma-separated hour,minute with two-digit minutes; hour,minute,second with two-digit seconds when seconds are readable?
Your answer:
7,02
